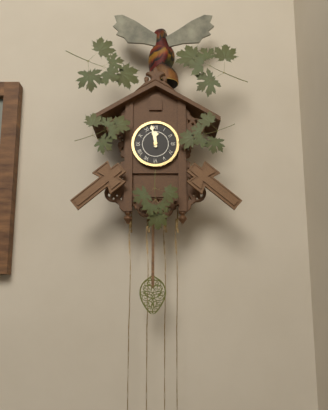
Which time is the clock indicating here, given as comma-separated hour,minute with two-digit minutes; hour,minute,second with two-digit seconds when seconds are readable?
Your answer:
11,58
